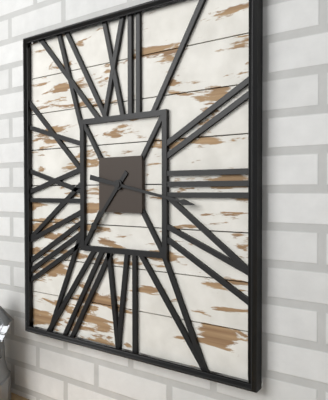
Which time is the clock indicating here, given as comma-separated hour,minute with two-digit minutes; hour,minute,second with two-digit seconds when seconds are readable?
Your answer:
7,17
